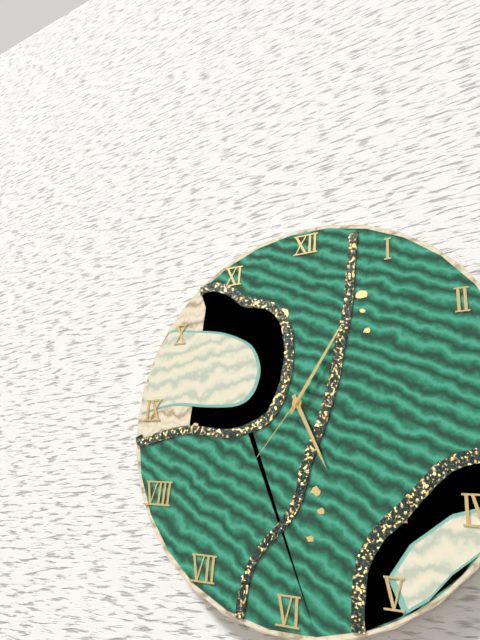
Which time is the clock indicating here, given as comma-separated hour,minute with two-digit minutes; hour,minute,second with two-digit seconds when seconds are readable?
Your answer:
5,05,36
